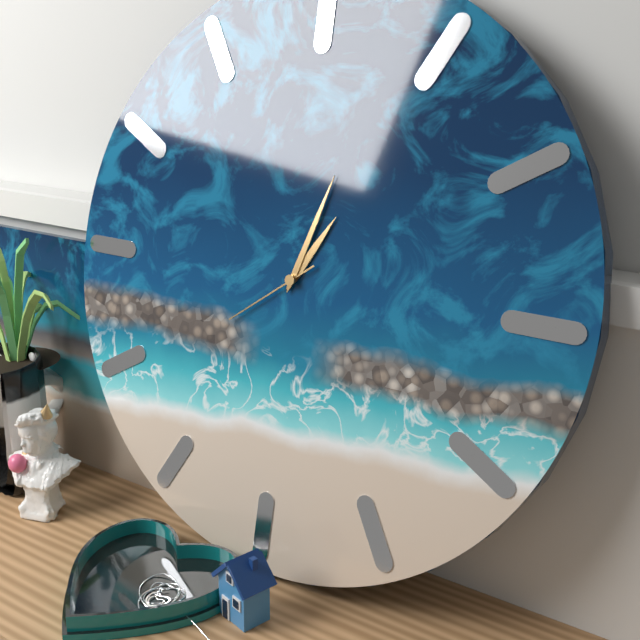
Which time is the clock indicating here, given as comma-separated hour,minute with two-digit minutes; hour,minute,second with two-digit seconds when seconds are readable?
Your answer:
1,03,39
